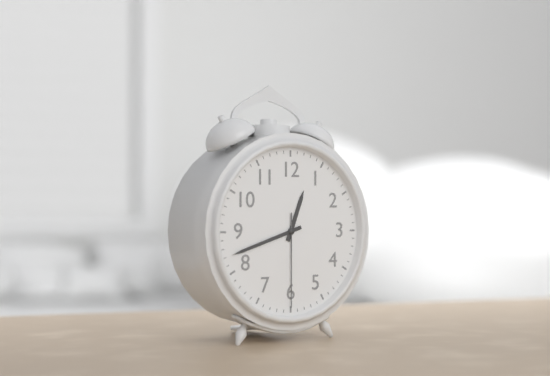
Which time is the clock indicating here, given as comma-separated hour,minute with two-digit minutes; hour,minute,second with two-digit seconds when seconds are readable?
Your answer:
12,42,30
